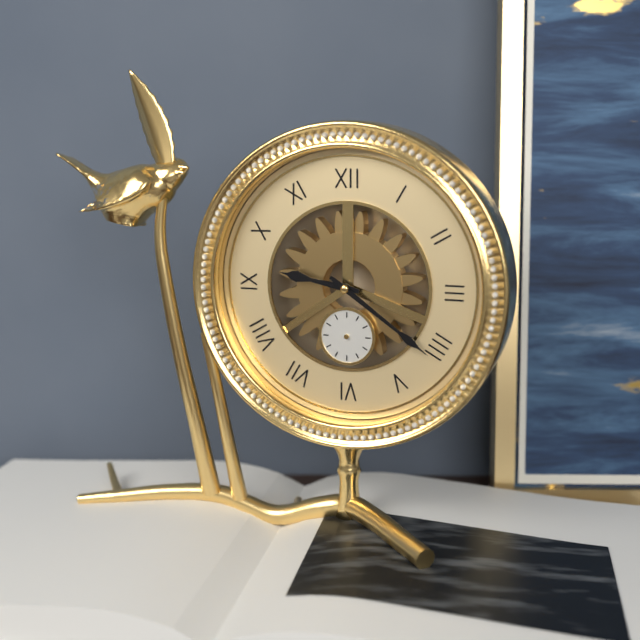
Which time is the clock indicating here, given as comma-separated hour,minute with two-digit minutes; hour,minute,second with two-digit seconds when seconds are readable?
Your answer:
9,21
